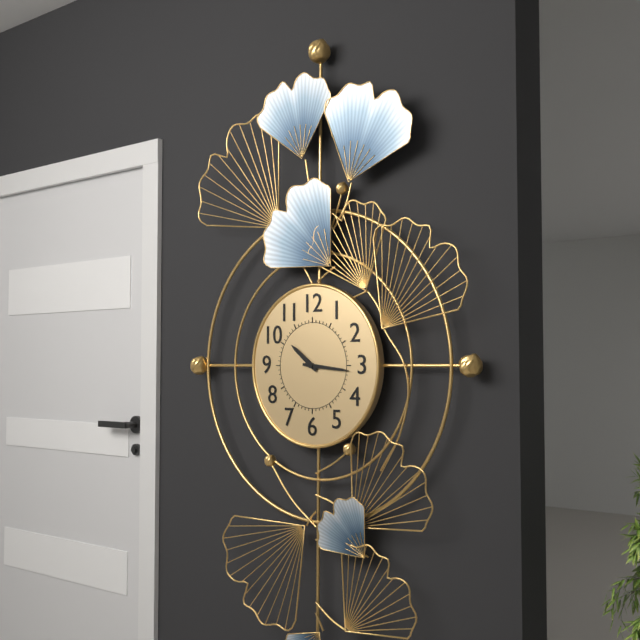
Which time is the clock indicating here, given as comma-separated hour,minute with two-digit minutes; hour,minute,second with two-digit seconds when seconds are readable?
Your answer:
10,16
